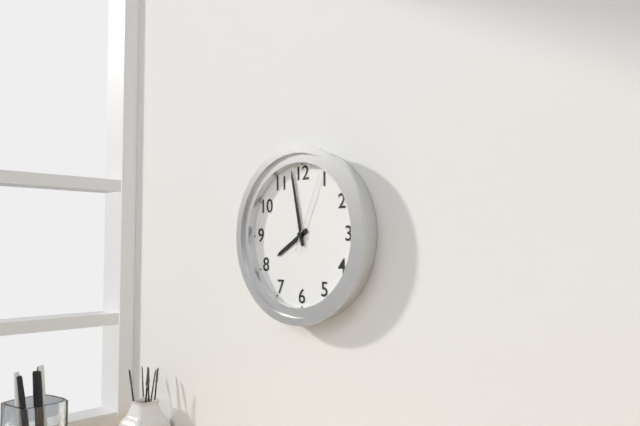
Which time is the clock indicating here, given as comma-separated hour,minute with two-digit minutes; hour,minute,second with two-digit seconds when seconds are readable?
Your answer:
7,58,04
